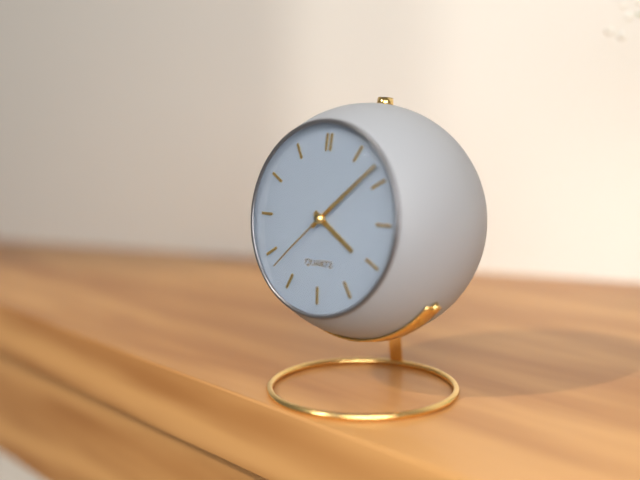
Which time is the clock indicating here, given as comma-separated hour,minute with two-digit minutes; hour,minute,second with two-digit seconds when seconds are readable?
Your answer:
4,08,38
